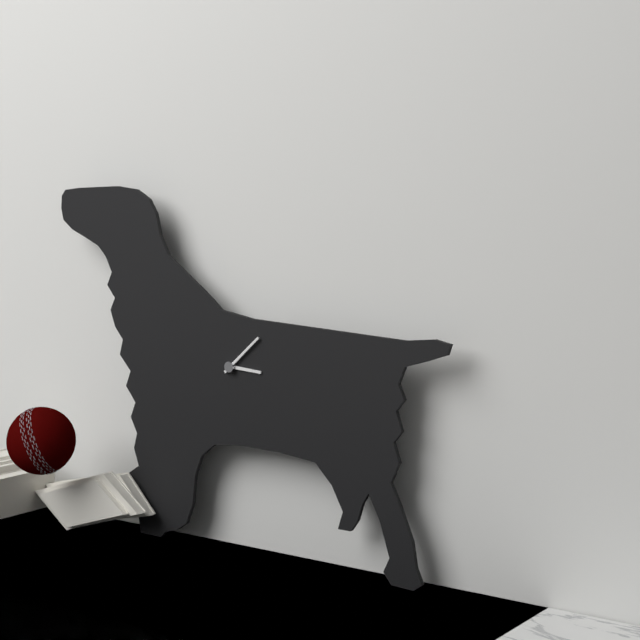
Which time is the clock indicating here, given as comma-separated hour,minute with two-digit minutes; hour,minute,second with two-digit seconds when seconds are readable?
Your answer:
3,08
